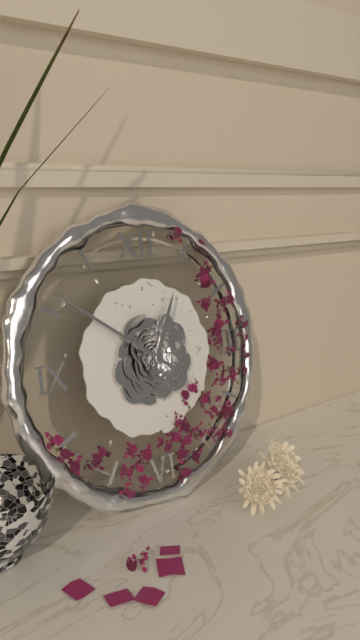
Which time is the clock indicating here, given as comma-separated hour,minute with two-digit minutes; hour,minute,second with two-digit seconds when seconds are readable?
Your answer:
12,51
